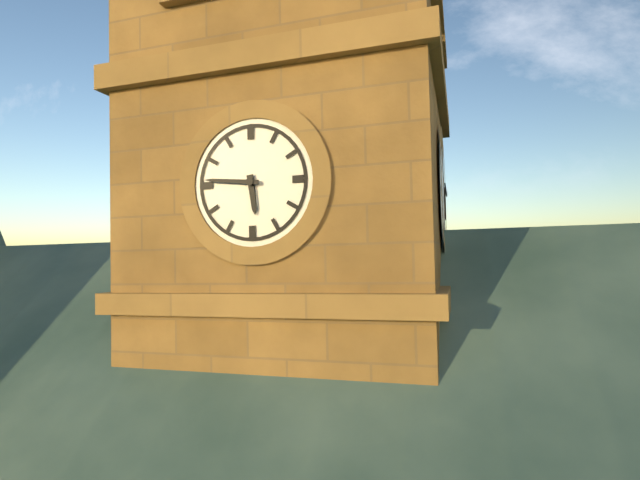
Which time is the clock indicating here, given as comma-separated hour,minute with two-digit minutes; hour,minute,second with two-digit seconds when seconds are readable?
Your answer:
5,46
